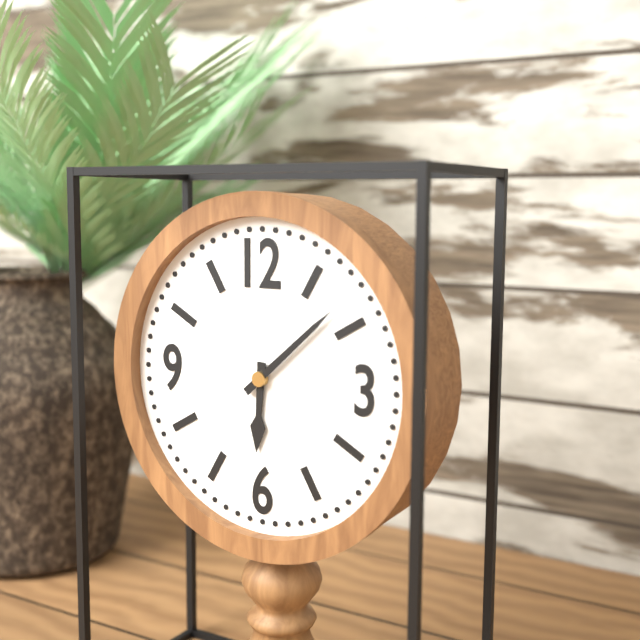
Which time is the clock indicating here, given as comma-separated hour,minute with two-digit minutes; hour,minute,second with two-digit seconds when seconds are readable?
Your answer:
6,08
